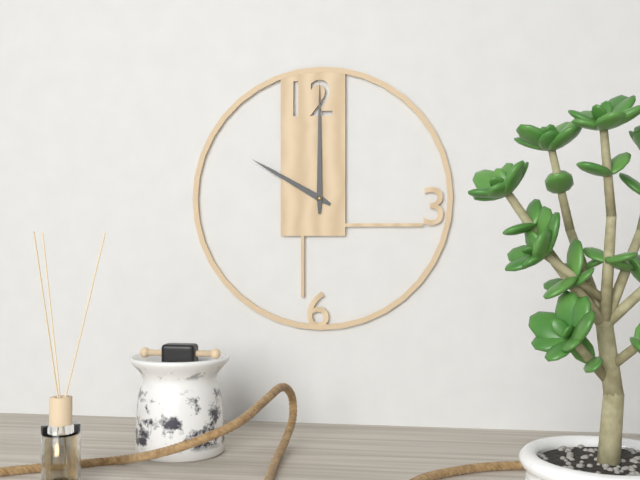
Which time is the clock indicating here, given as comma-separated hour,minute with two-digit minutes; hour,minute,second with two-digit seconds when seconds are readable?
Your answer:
10,00
